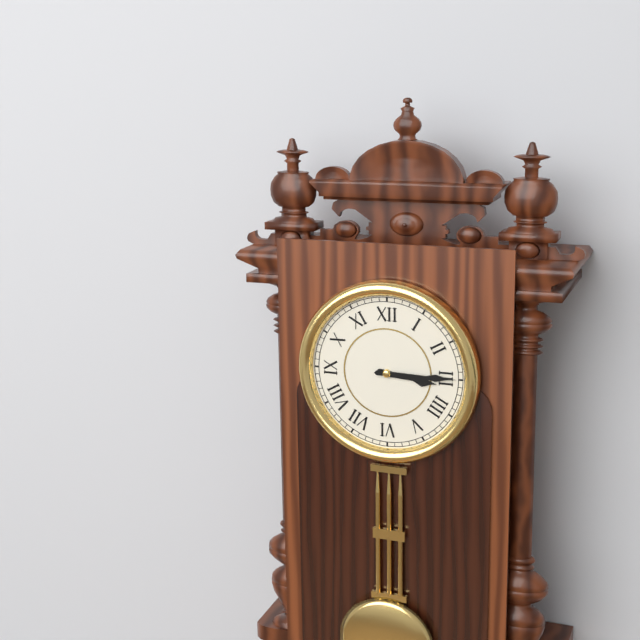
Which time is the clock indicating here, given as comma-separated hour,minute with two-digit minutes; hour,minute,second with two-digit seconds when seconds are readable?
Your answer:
3,15
